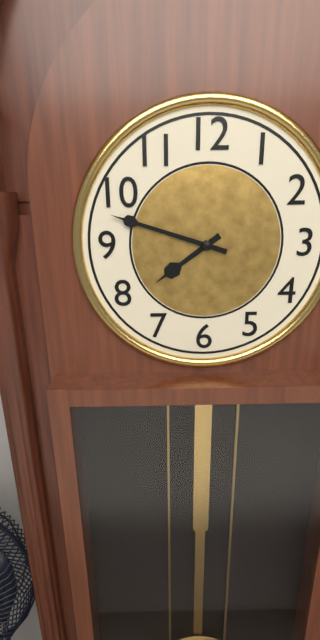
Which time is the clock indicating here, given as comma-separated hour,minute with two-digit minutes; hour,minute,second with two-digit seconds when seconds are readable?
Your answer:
7,48
